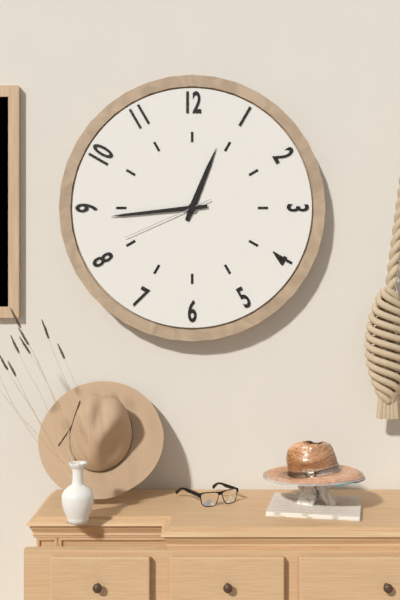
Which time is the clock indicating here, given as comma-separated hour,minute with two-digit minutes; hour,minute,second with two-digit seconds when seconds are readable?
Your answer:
12,44,41
